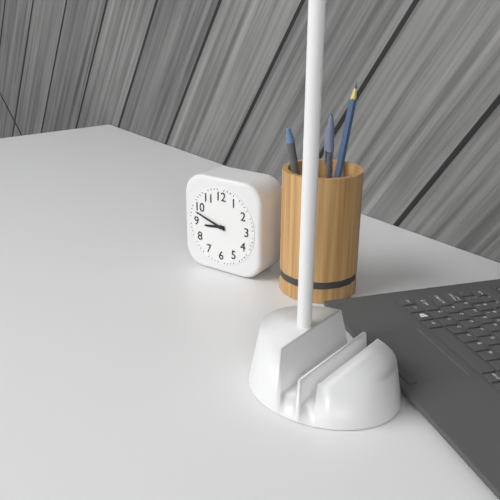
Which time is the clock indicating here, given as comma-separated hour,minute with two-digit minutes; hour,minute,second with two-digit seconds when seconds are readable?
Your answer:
8,48
